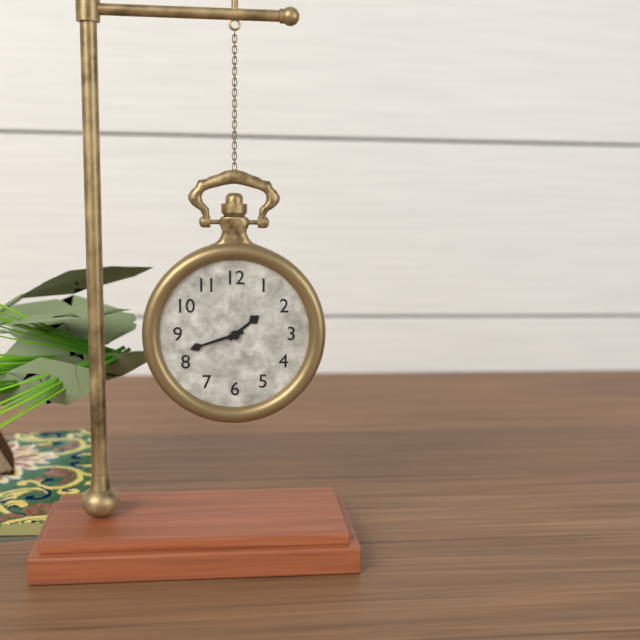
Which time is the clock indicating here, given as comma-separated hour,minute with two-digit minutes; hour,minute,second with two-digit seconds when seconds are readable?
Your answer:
1,42
